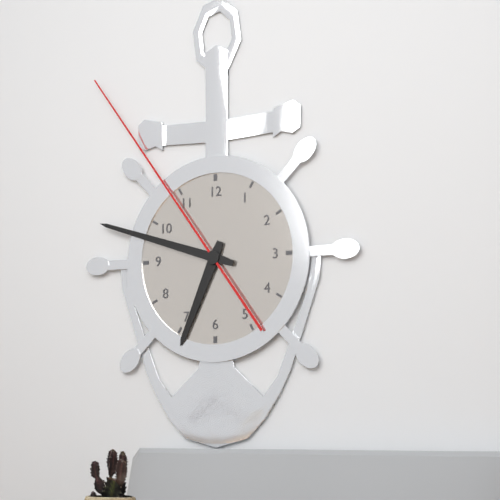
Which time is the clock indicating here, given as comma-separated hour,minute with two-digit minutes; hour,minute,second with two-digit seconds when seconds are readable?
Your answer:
6,48,54
